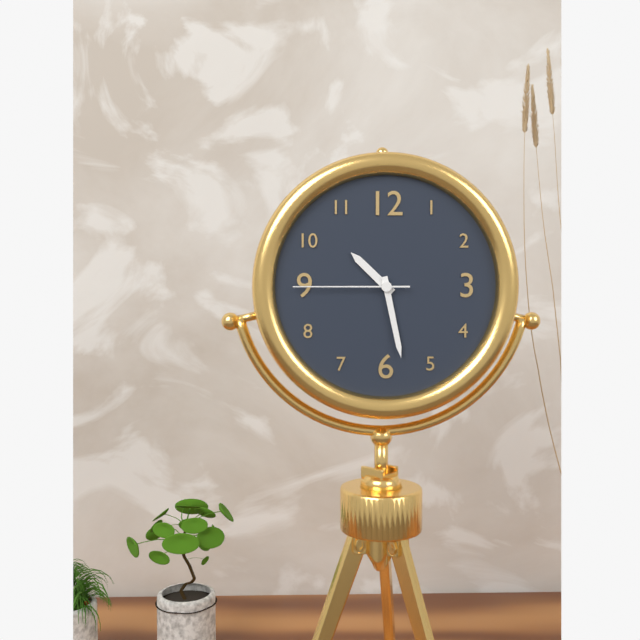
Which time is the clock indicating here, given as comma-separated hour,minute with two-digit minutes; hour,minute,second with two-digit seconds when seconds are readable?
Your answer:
10,28,45
